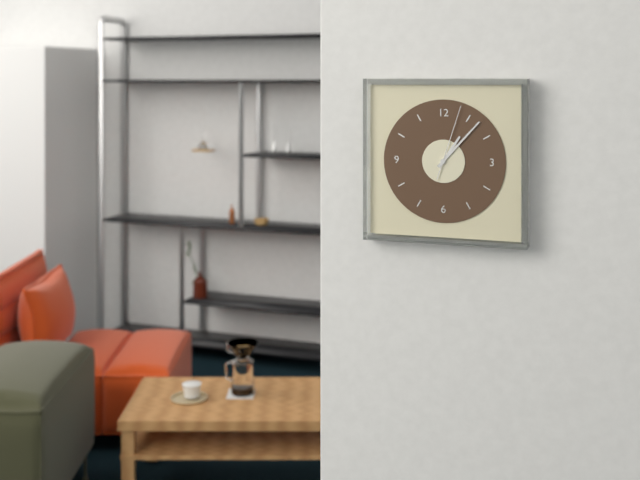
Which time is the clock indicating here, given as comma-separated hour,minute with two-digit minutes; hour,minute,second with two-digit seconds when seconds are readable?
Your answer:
1,07,03
